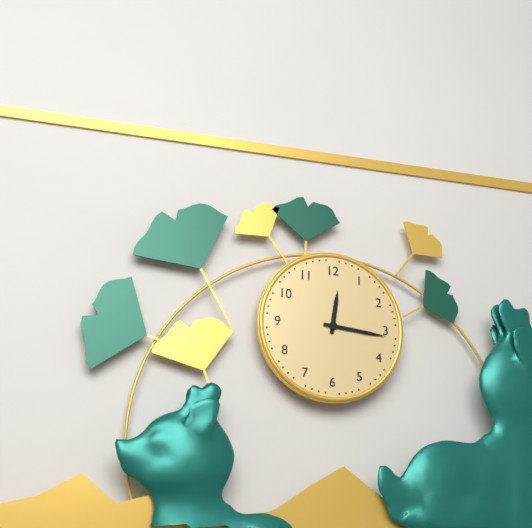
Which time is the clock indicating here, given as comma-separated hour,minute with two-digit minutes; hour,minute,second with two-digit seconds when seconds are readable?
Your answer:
12,16
